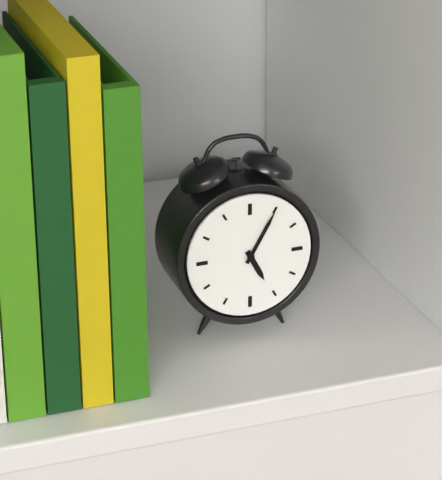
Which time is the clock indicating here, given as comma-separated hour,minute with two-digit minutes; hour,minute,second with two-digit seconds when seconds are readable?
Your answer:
5,05
